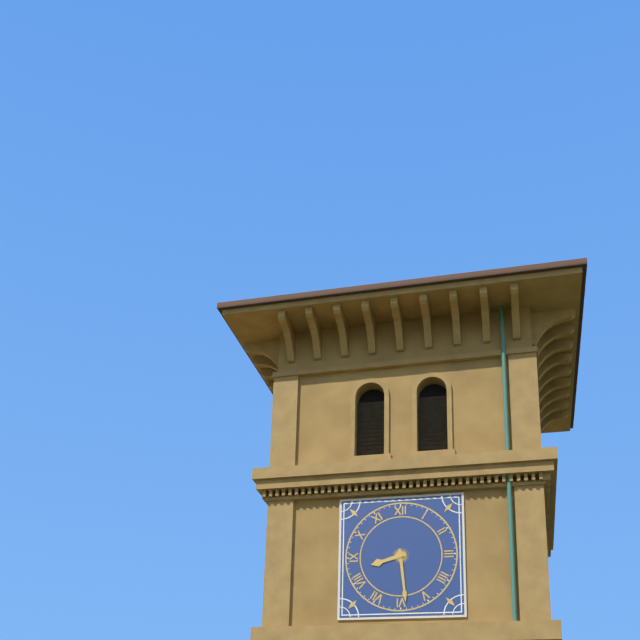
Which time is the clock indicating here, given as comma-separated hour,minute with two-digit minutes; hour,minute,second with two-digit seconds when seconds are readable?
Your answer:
8,29
